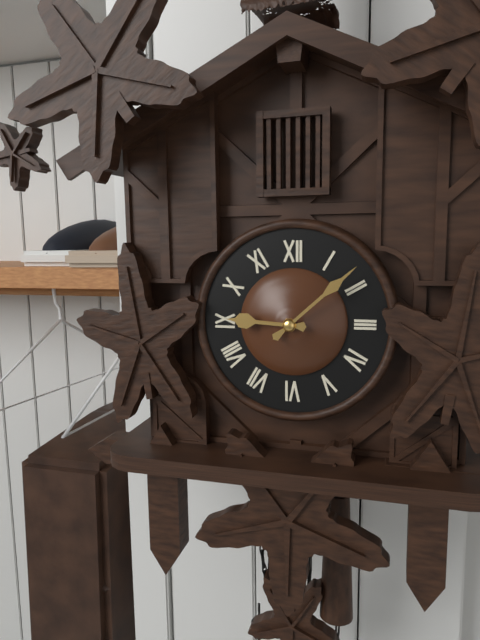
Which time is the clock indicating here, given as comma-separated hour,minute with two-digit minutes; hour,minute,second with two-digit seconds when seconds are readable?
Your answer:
9,08
